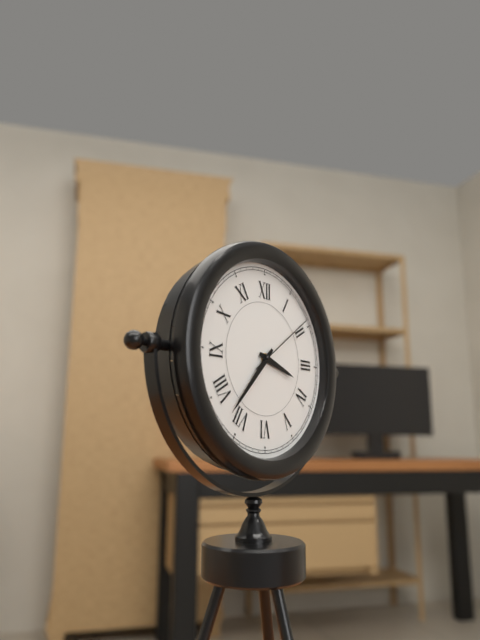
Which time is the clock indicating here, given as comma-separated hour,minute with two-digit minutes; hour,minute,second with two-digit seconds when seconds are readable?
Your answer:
3,37,09
